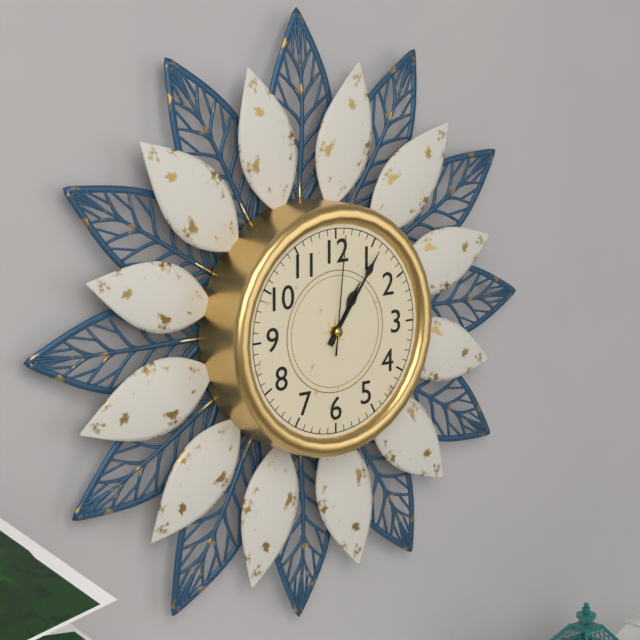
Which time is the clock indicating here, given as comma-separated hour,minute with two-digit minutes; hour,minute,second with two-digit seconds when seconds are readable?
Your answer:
1,06,01
